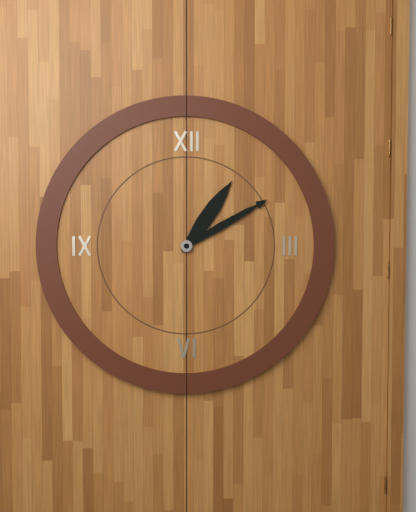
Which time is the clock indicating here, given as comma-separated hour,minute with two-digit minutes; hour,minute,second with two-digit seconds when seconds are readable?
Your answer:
1,10
